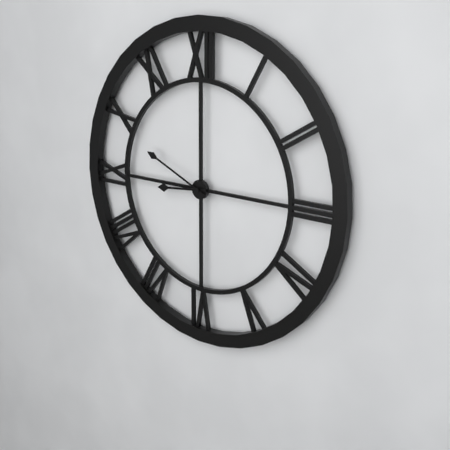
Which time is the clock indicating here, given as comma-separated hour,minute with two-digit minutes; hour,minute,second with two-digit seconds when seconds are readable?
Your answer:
8,49
